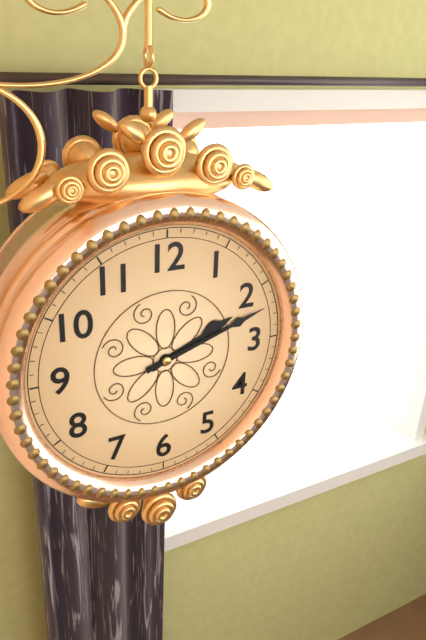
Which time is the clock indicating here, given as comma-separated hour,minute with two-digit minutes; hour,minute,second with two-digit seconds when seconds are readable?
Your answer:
2,12
